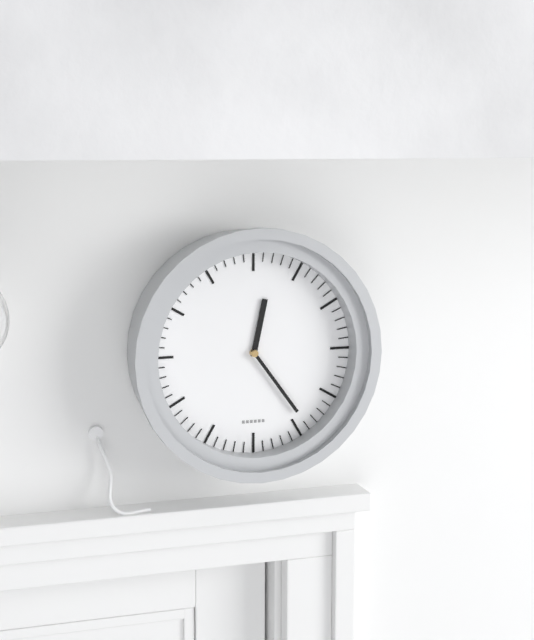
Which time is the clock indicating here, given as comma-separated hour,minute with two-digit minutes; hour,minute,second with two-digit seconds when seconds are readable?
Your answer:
12,24
